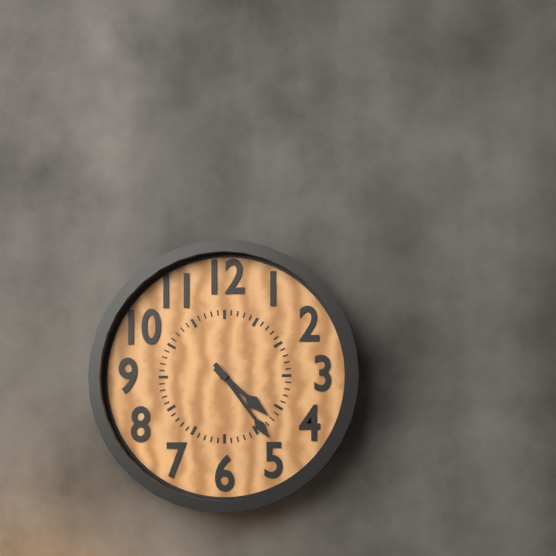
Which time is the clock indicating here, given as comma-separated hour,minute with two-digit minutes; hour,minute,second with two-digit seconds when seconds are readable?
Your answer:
4,24
